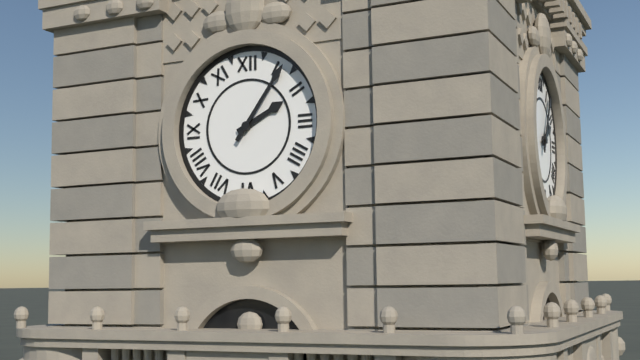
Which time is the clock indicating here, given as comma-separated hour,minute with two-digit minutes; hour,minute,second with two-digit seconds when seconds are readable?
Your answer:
2,06
